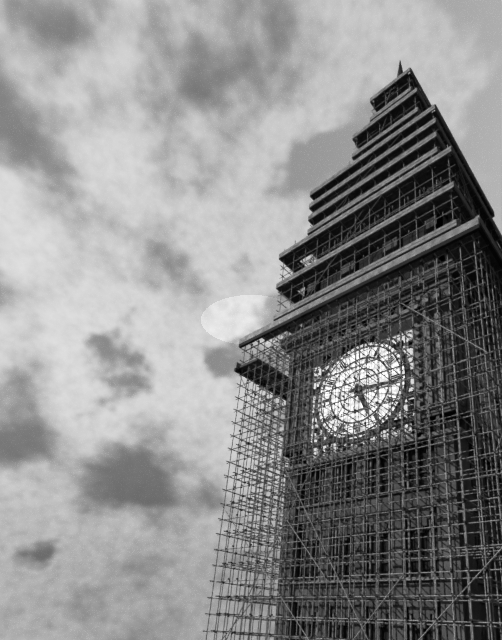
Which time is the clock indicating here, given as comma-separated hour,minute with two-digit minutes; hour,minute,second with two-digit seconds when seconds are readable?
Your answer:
5,16
